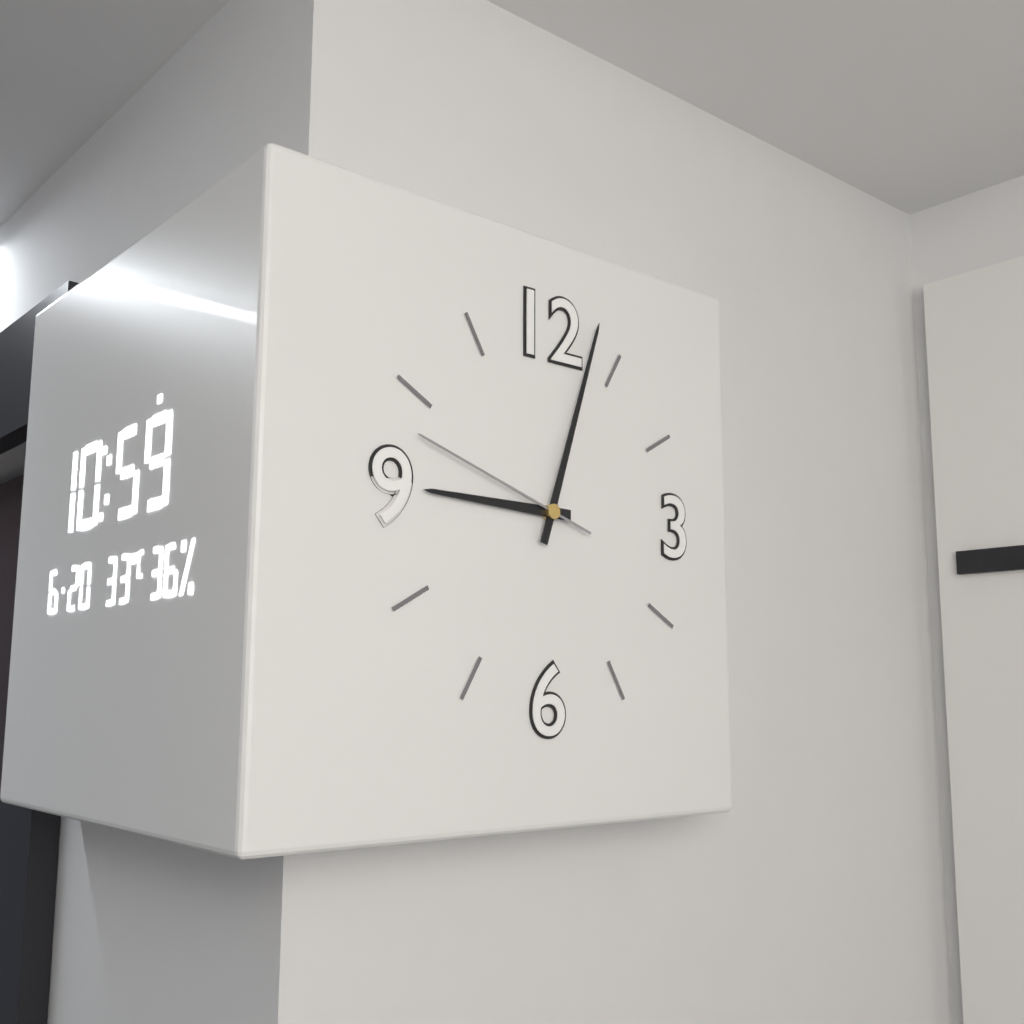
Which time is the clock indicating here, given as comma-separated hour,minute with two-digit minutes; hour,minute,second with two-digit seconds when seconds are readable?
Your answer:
9,03,48
